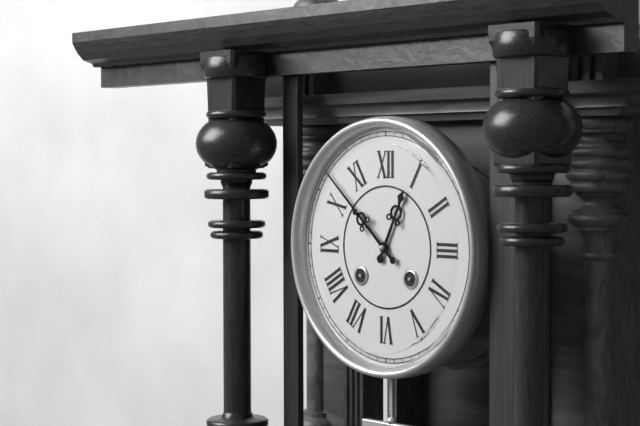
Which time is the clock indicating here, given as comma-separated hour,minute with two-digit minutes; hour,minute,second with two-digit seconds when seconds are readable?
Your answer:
12,52
